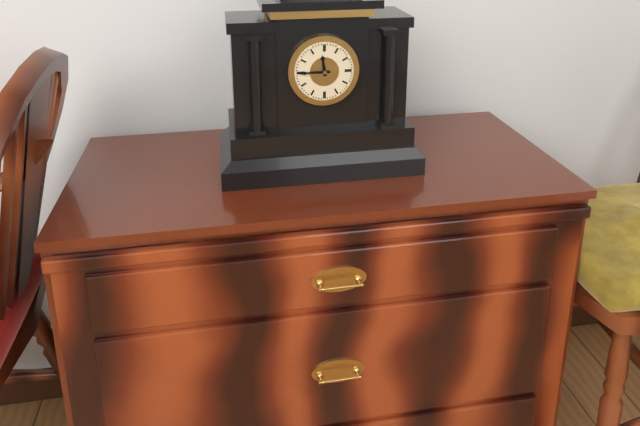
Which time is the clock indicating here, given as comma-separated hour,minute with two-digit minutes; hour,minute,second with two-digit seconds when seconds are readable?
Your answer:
11,45
